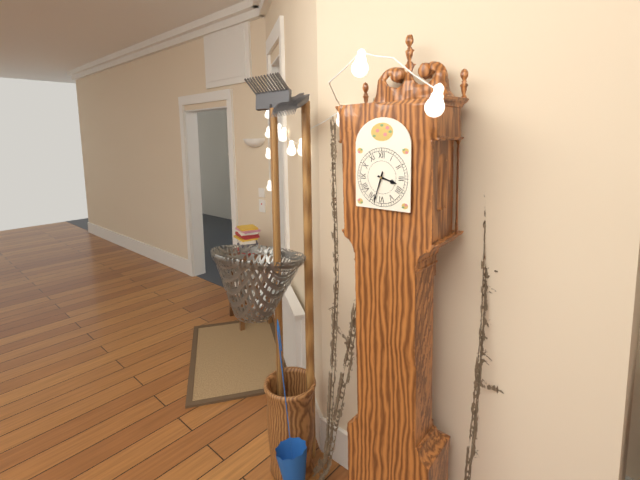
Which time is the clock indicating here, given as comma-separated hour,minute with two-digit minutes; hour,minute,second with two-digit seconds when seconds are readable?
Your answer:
3,33
